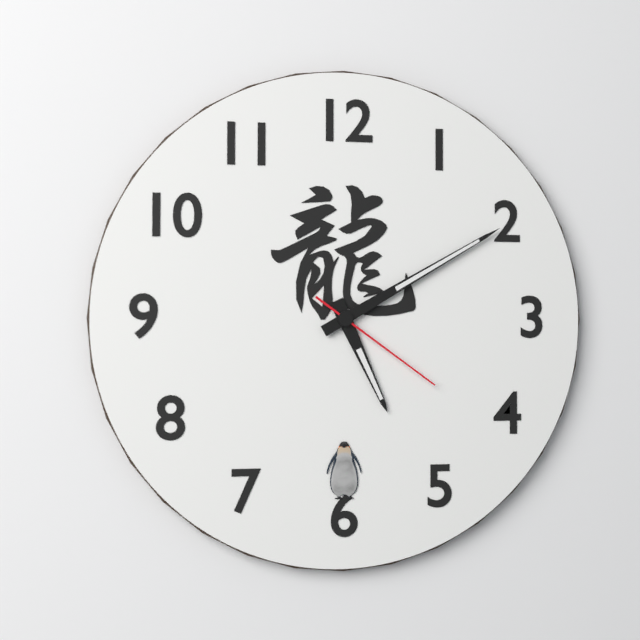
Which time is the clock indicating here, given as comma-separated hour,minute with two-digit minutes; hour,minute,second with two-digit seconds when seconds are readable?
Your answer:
5,10,21
